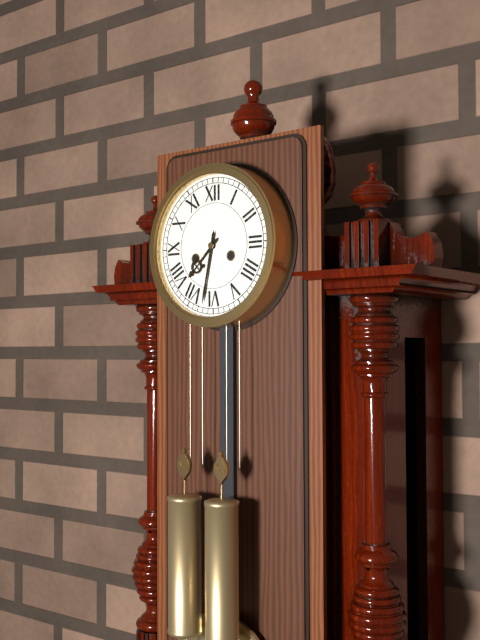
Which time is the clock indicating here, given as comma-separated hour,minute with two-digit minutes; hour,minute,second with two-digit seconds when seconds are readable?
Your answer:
7,32
